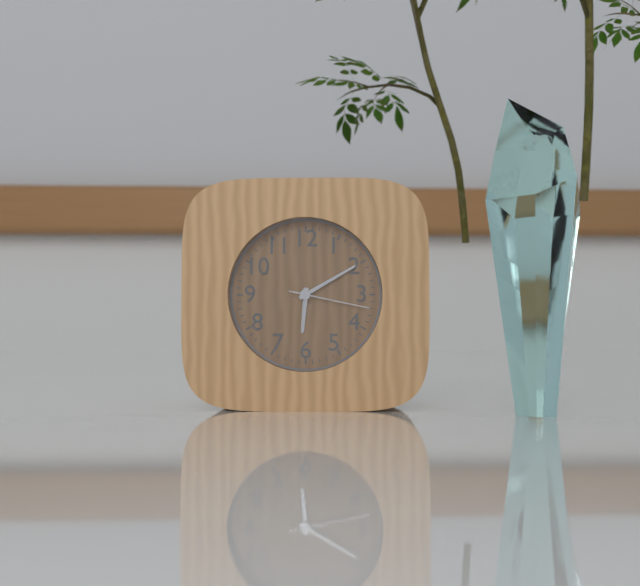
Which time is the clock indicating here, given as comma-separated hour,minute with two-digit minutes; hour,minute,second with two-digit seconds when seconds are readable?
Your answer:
6,10,17
